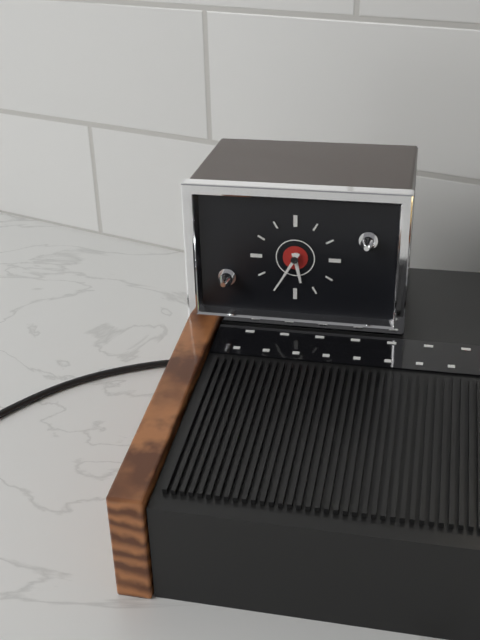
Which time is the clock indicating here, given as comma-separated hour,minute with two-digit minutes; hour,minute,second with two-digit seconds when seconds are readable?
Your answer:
5,35
